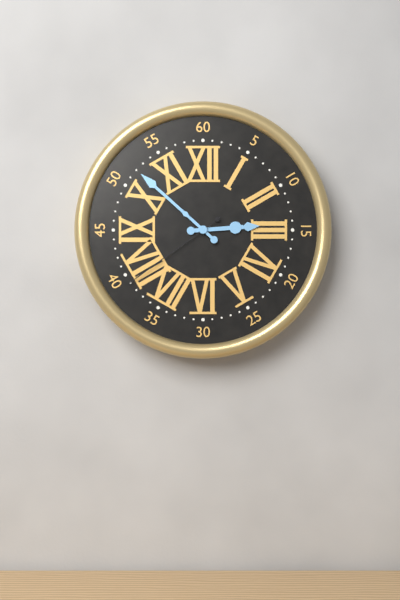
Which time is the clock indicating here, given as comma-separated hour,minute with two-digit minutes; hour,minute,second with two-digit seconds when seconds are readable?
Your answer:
2,52,39
